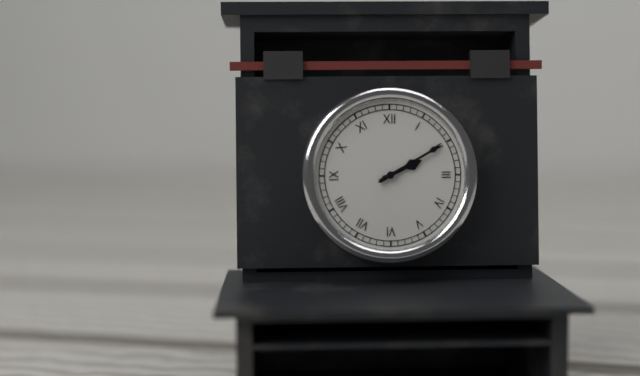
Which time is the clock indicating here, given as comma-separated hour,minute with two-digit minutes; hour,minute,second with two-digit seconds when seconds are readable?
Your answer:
2,10
